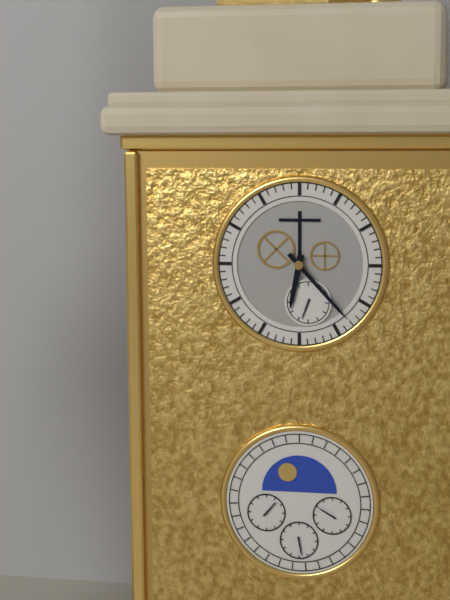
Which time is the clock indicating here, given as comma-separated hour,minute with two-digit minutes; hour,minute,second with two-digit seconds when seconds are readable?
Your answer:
6,23
